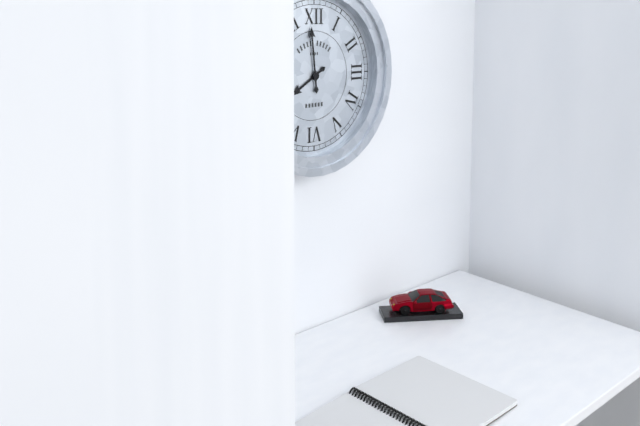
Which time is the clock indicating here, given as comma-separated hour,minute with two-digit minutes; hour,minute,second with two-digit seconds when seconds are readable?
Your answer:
7,59
